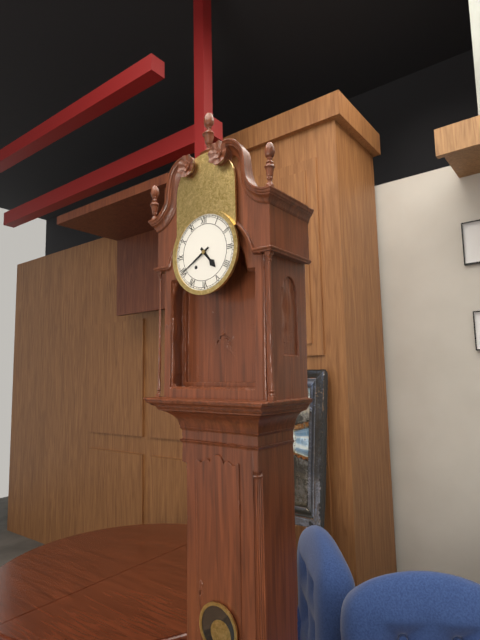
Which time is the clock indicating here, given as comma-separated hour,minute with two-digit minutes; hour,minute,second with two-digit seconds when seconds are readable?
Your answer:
4,40
